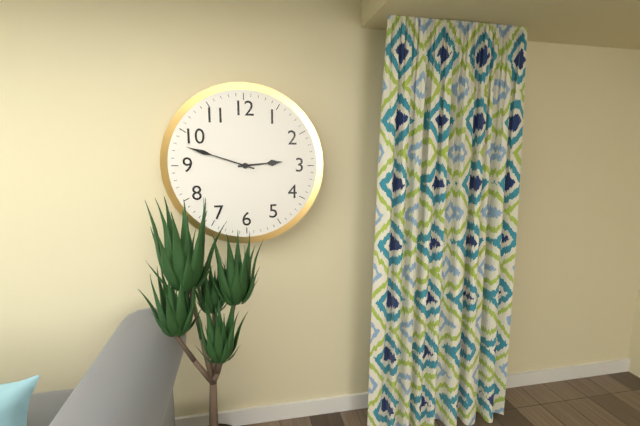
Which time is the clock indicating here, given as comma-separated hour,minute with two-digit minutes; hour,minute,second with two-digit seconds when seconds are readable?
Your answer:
2,48
